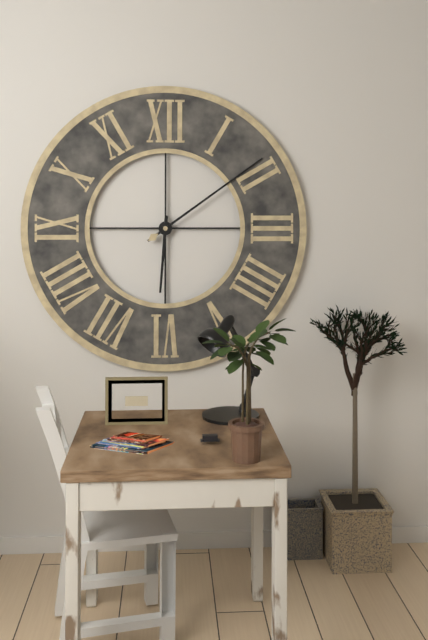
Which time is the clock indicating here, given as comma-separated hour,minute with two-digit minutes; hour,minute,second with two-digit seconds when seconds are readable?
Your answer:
6,09
